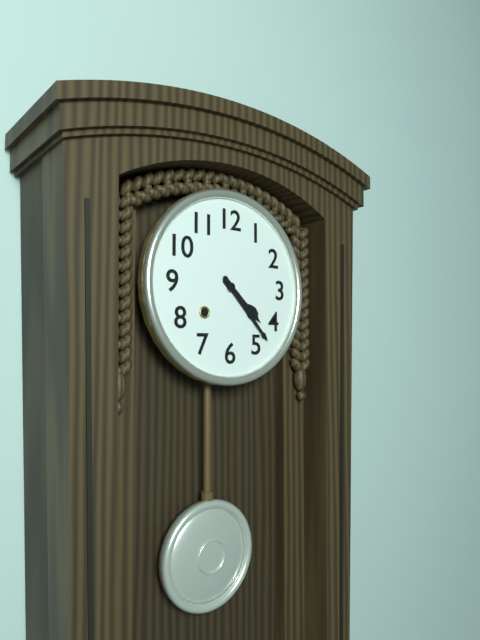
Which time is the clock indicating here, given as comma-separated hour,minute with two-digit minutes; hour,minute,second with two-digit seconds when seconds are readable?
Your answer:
4,23
